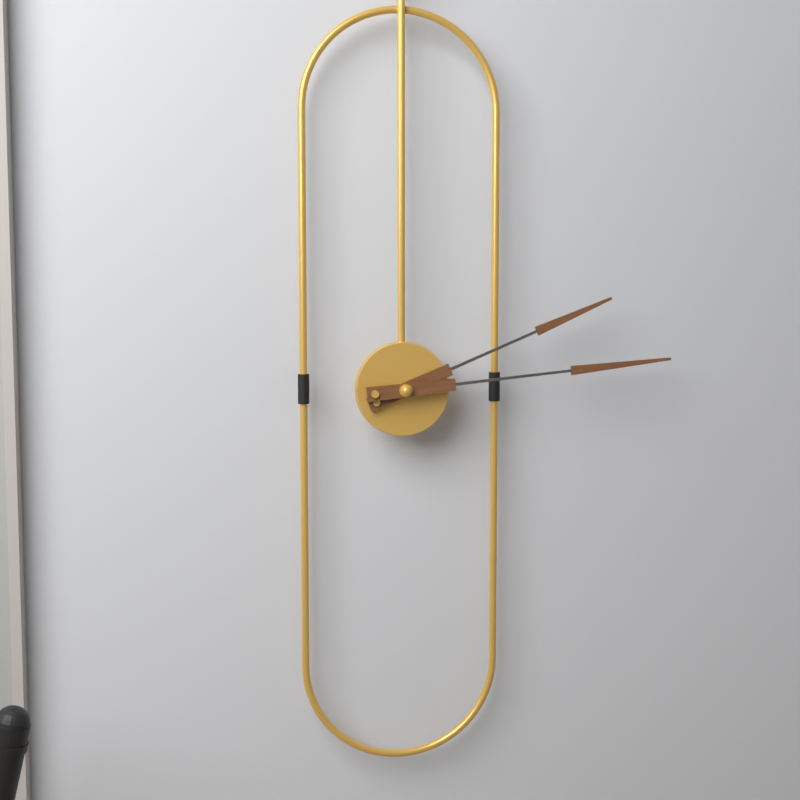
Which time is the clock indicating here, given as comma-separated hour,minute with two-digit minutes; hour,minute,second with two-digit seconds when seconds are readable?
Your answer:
2,14
